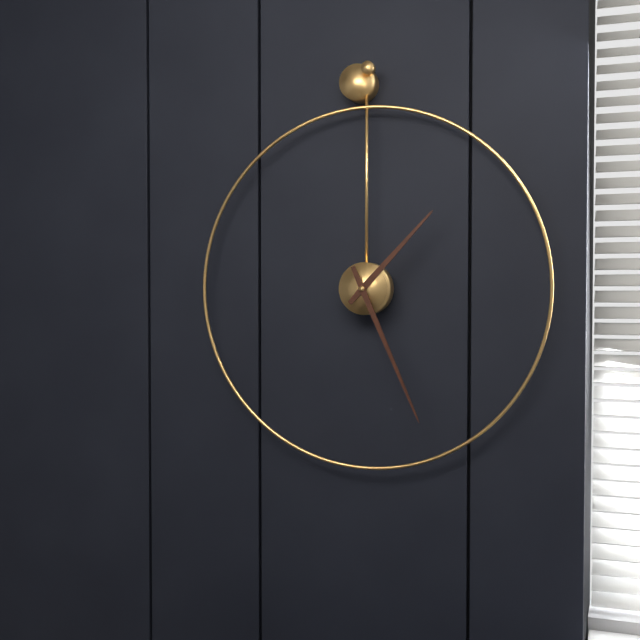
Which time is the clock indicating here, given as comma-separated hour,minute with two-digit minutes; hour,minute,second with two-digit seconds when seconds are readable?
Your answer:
1,26
